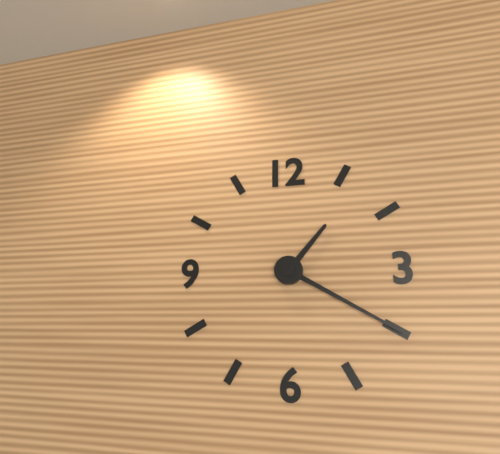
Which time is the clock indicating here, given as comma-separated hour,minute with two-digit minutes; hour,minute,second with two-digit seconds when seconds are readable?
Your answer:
1,20
